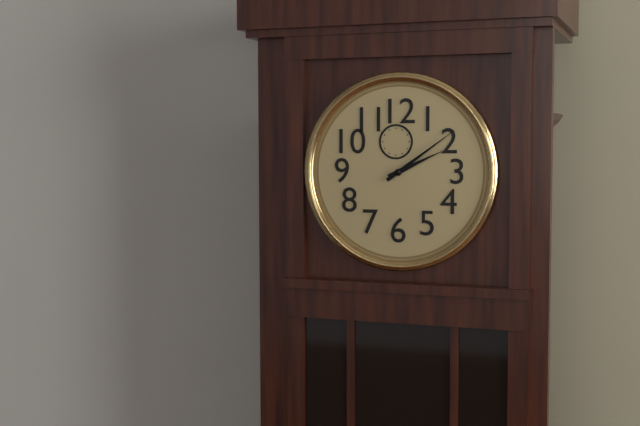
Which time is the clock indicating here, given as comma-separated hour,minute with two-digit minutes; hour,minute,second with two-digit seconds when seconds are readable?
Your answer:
2,09
